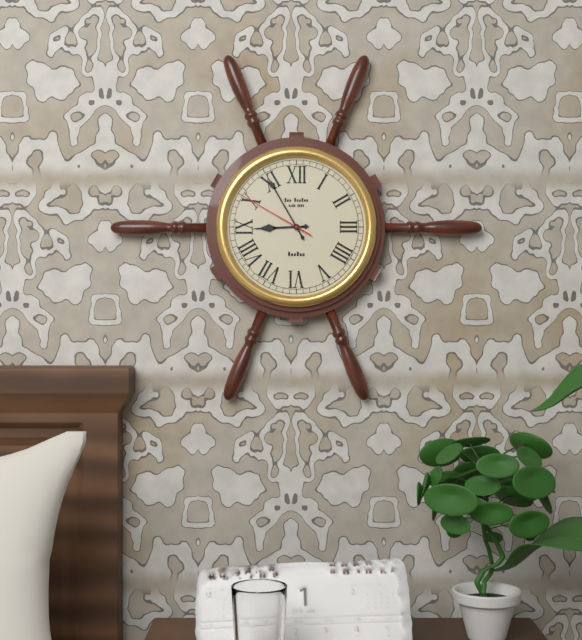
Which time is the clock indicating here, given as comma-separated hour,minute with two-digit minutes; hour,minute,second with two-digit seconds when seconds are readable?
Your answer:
8,55,50
